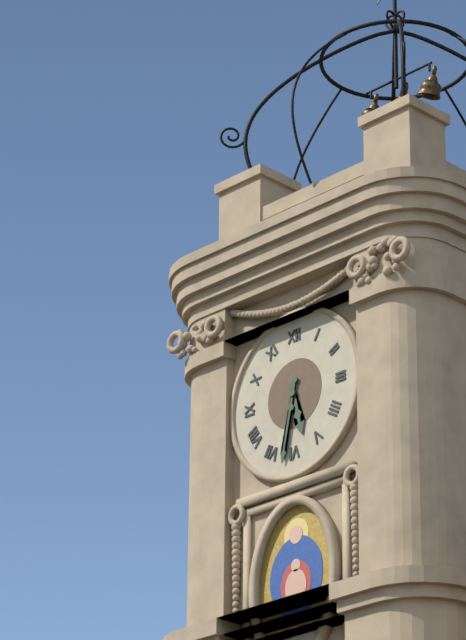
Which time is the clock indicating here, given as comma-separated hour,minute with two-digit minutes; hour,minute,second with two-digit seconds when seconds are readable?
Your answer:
5,32
